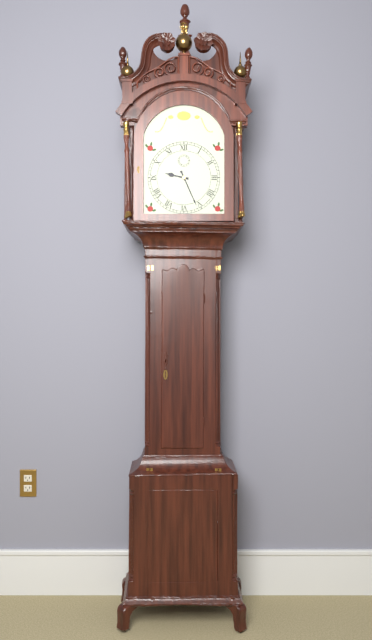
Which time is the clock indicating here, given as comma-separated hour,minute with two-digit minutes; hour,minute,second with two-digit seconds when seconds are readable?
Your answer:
9,26
